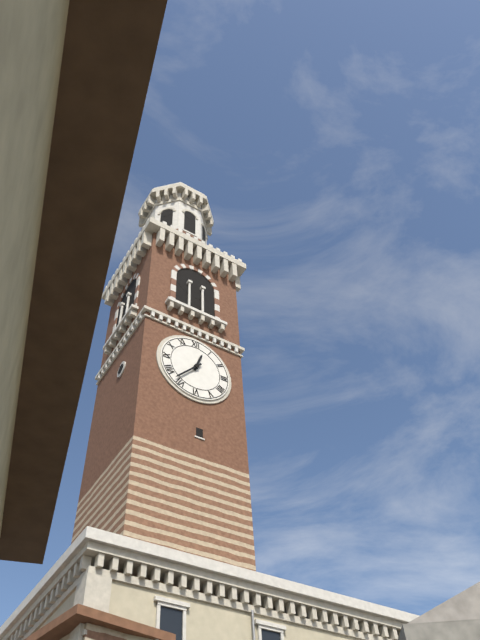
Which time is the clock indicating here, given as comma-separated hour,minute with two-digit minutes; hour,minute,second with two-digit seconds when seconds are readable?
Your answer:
12,37
